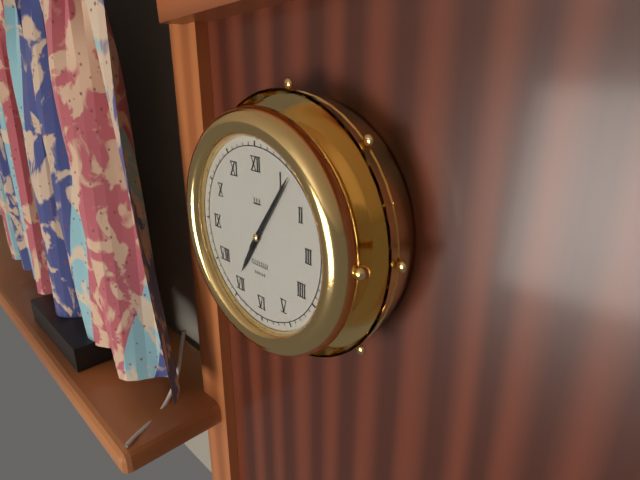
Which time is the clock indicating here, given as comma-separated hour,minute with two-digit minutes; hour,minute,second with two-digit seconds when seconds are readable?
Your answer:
7,06
